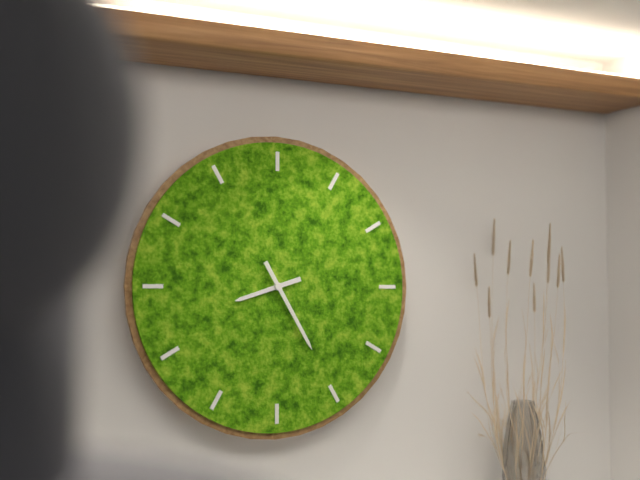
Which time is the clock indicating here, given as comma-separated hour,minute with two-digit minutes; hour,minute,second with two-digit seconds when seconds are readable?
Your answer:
8,25
